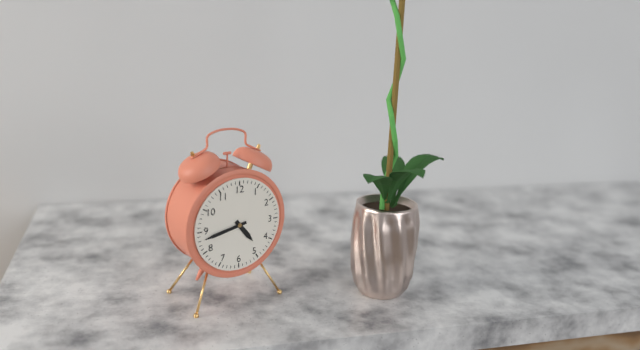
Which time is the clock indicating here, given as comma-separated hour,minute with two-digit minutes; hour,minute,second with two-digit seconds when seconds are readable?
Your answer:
4,43
